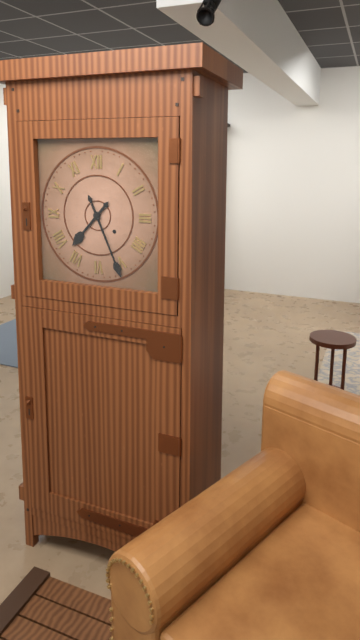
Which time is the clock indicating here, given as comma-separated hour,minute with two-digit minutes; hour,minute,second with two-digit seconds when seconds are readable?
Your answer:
7,26
